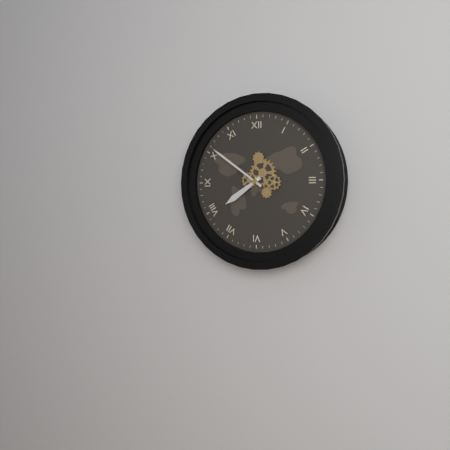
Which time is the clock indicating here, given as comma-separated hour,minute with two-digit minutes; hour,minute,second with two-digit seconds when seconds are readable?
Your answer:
7,51
